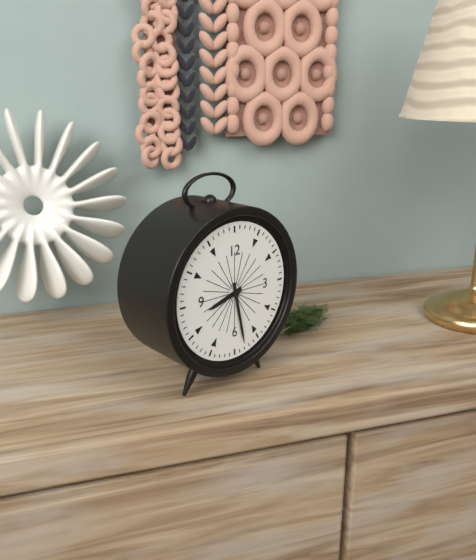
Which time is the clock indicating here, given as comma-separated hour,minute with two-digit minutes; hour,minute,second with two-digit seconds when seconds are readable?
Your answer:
8,28
